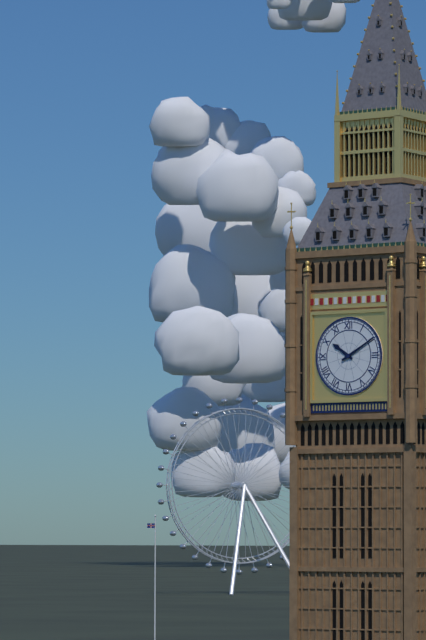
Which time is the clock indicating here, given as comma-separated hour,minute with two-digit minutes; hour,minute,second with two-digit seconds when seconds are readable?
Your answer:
10,10
